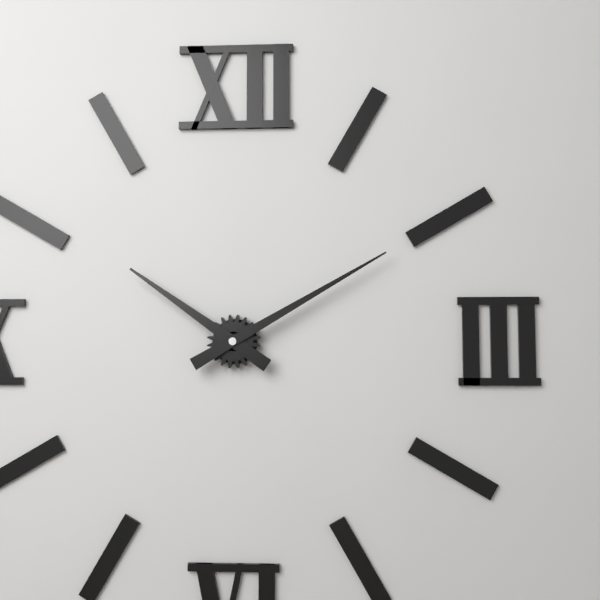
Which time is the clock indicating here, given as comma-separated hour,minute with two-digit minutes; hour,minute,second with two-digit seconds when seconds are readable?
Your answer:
10,10
